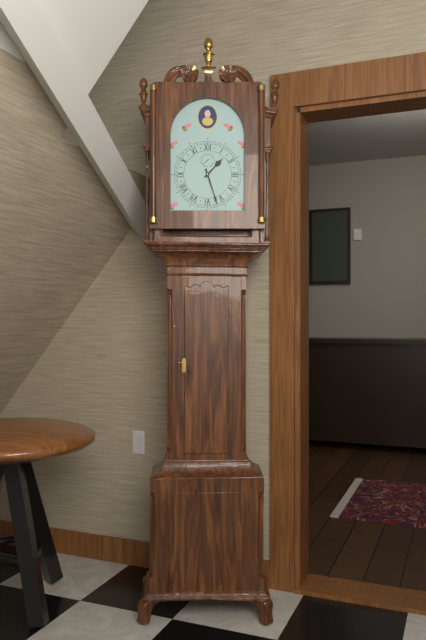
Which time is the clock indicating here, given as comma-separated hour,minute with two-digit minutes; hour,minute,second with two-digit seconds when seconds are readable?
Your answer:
1,27
